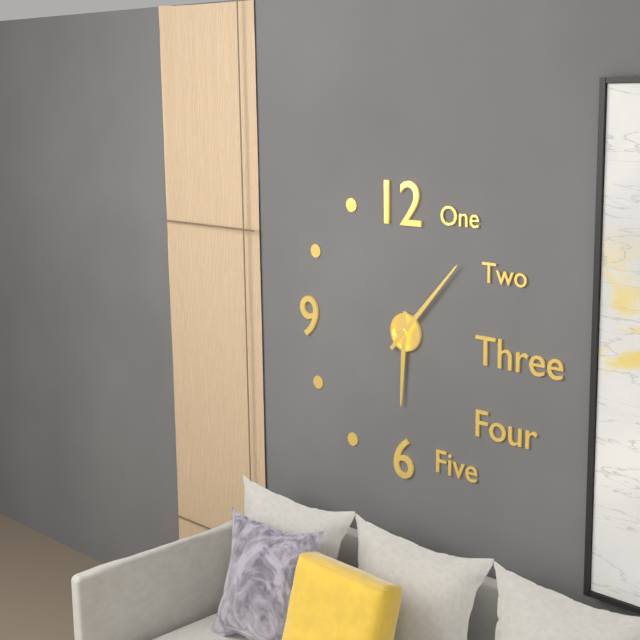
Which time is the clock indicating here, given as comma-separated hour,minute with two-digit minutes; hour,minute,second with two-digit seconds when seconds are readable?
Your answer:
6,07
